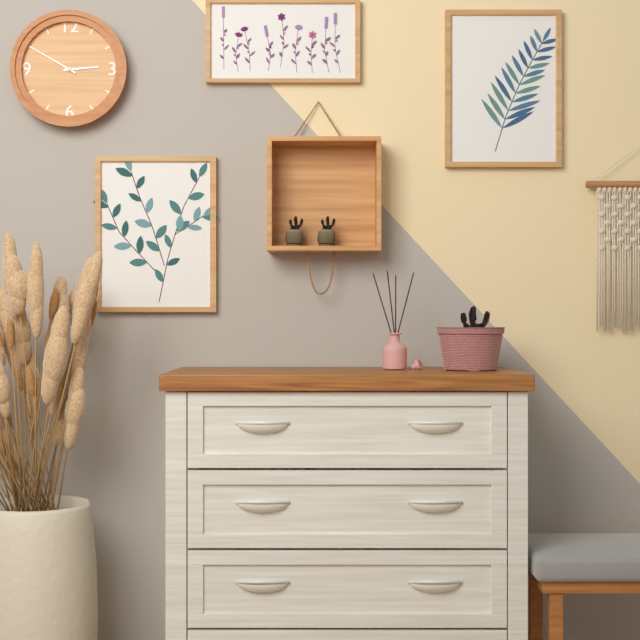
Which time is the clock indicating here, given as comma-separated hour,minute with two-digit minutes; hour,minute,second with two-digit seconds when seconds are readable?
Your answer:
2,50
